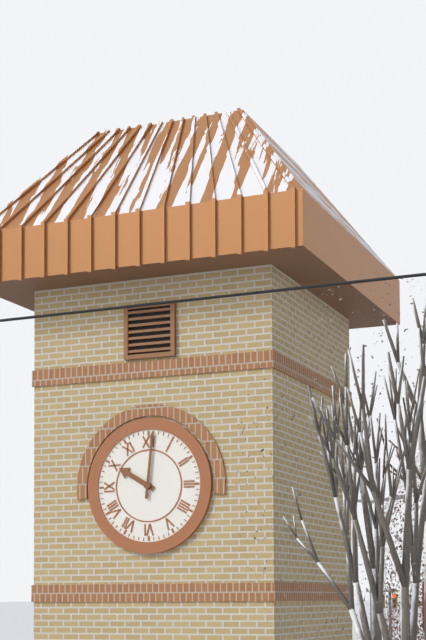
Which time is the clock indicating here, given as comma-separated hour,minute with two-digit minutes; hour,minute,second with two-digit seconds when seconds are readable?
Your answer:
10,01
